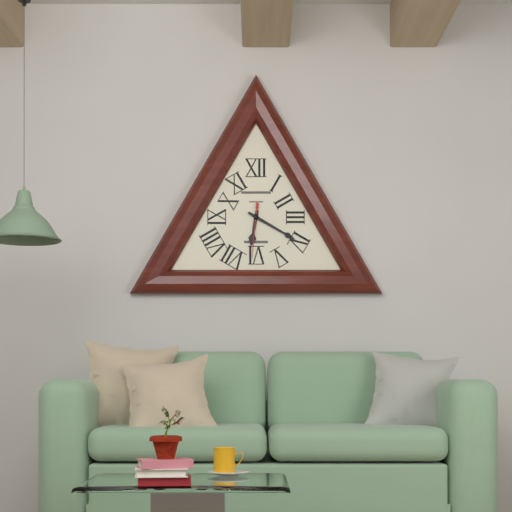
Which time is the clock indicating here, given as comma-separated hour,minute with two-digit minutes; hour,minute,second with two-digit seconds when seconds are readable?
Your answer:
6,20,31
